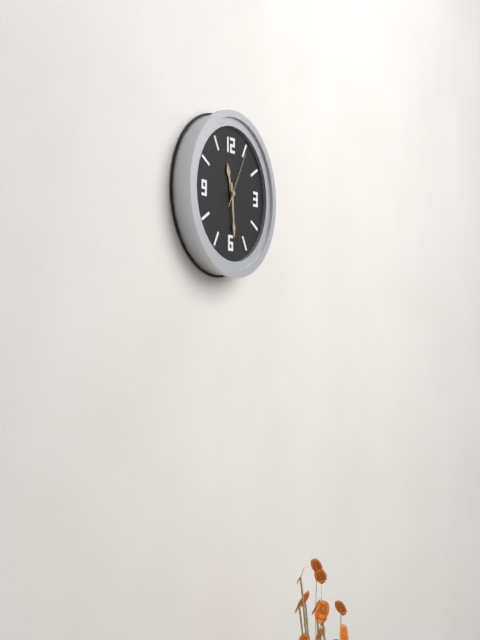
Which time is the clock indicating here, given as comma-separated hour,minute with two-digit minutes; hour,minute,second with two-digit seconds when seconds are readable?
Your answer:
11,29,05
